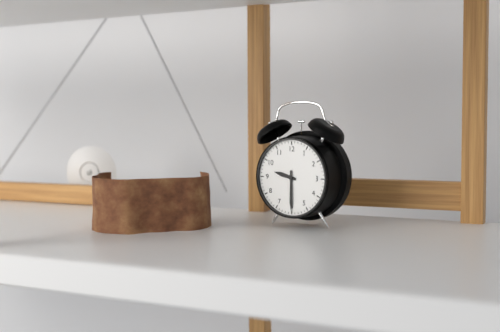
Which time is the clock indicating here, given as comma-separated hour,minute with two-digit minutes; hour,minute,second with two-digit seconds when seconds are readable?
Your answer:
9,30
